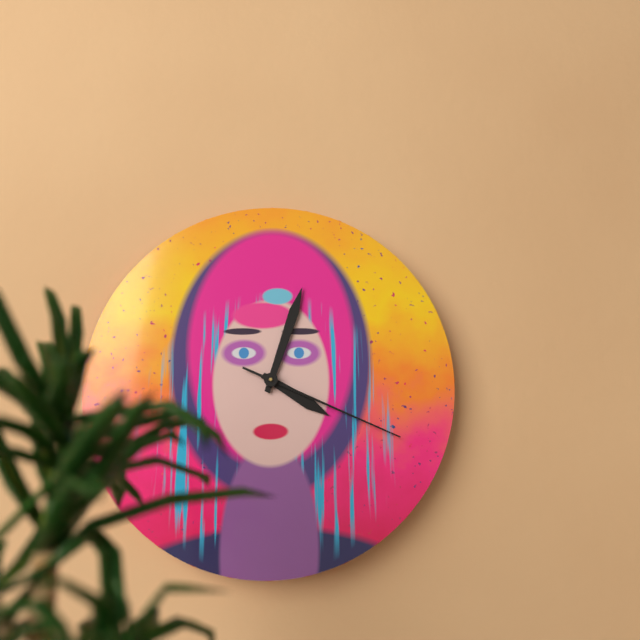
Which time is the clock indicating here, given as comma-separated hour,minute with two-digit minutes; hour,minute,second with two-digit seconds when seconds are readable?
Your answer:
4,03,19
